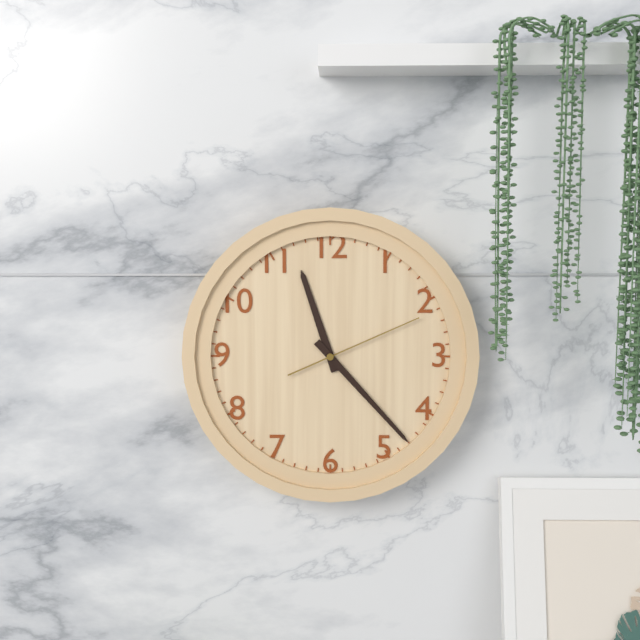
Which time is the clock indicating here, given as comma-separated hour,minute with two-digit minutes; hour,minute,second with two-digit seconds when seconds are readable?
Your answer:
11,23,11
